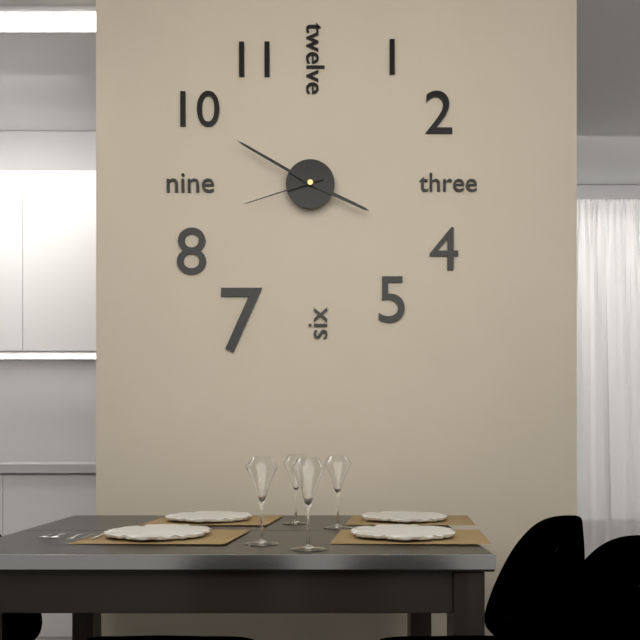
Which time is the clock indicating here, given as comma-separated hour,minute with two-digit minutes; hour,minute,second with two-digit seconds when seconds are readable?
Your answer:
3,50,42
